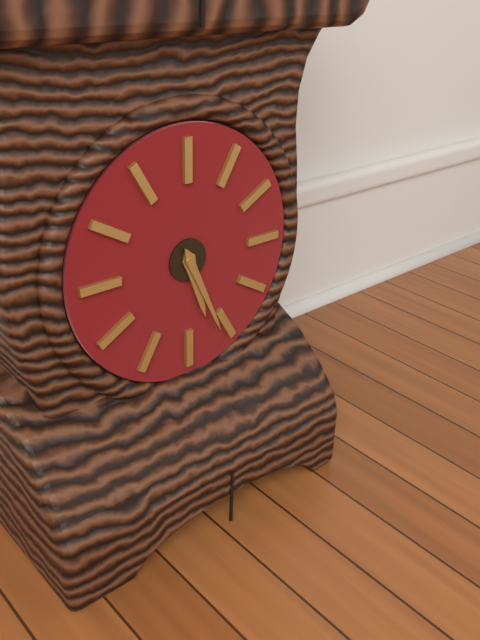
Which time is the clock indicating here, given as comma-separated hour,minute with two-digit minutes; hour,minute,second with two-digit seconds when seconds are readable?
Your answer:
5,26
